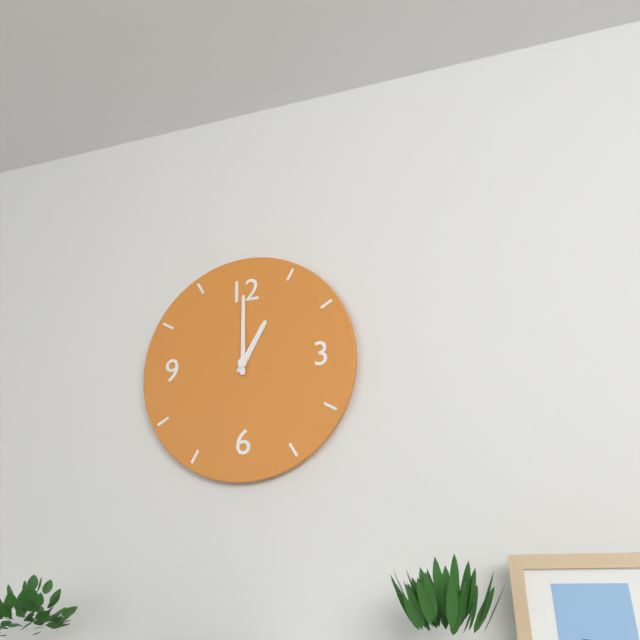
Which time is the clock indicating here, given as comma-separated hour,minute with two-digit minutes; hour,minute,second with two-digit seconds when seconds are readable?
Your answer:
1,00
